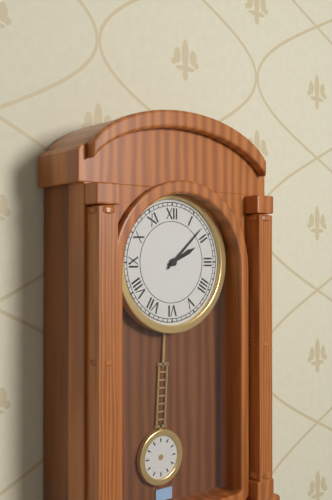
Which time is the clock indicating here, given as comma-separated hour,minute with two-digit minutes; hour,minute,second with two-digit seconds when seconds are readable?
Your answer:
2,08
